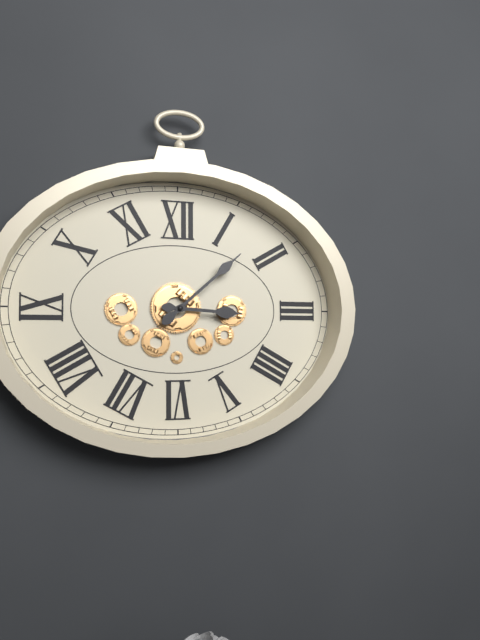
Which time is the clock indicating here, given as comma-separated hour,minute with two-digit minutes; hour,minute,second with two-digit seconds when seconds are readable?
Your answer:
3,08
